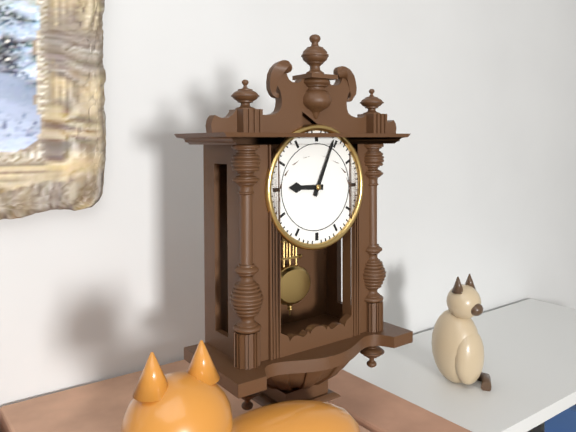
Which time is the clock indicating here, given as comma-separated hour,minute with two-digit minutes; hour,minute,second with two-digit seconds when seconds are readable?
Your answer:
9,04
